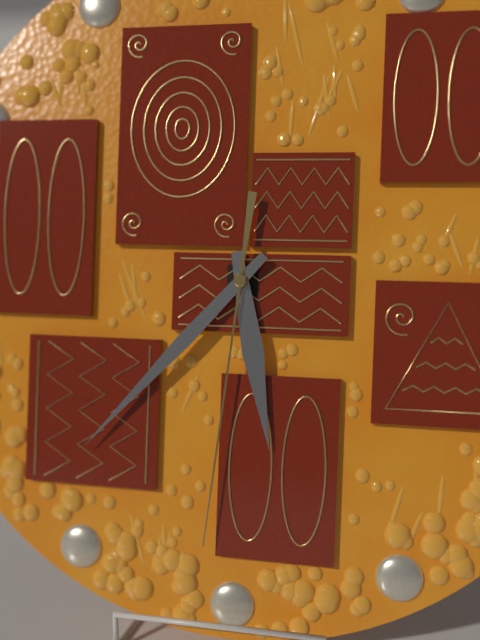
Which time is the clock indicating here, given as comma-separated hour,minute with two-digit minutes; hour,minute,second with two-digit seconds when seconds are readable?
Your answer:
5,37,31
